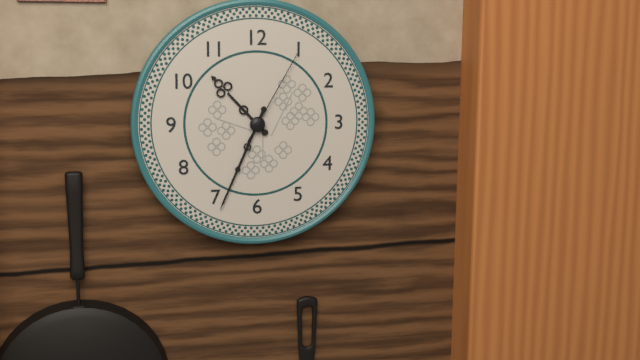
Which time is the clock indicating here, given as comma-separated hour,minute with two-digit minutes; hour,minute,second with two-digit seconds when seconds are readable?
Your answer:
10,34,05
